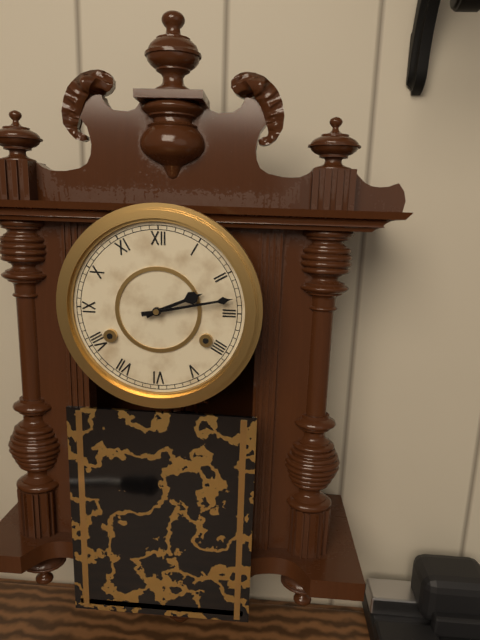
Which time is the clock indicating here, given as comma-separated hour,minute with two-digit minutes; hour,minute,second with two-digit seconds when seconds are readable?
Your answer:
2,13
